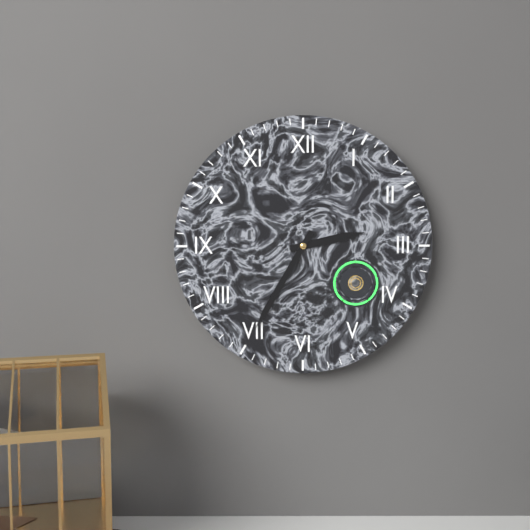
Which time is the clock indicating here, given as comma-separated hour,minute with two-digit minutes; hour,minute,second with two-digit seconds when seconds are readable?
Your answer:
2,35
